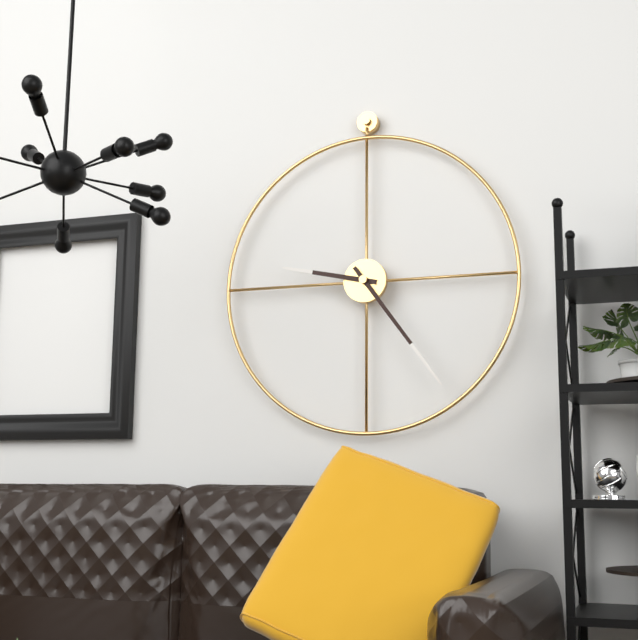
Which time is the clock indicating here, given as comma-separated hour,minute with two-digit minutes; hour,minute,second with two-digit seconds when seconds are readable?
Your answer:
9,24
